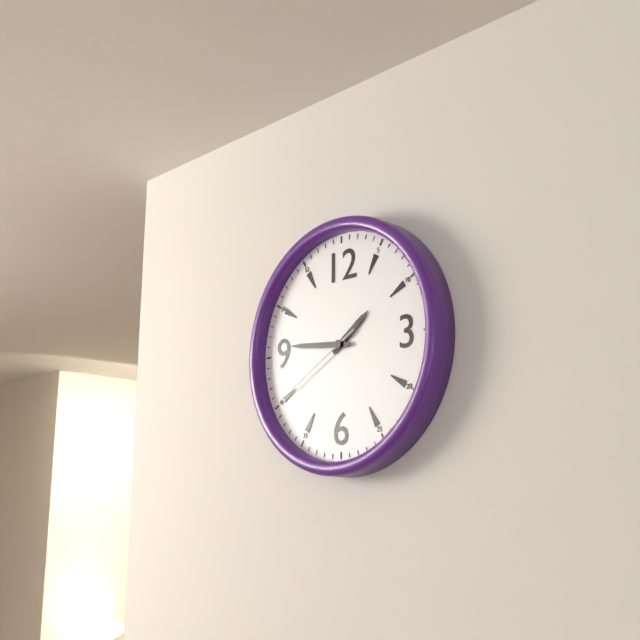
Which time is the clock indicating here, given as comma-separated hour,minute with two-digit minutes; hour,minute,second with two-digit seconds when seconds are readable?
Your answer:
1,46,40
